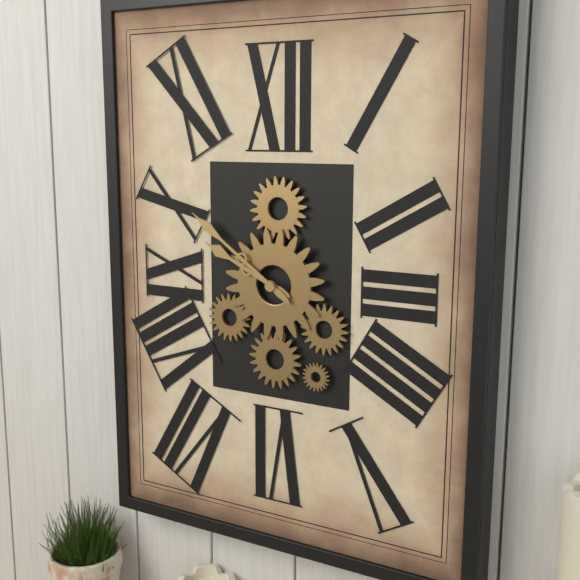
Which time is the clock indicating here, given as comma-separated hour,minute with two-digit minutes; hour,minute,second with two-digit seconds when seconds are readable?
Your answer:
9,51
